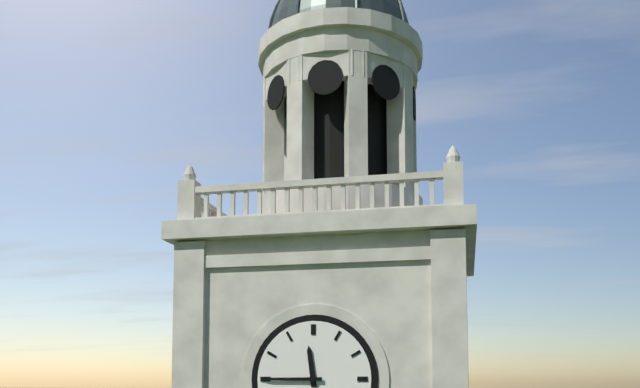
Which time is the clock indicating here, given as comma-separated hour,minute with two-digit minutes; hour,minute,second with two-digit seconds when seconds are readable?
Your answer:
11,45
